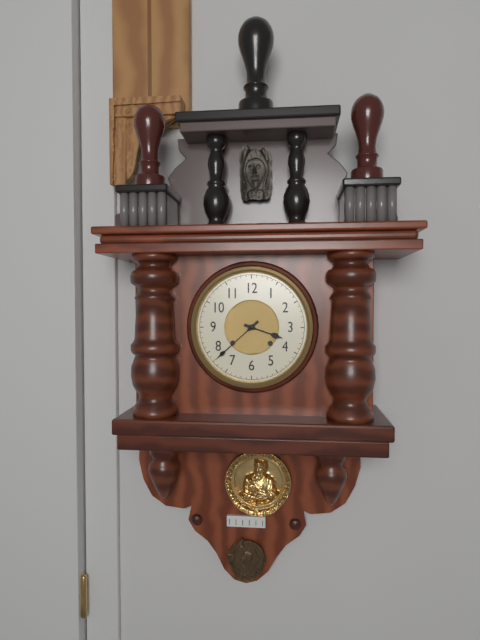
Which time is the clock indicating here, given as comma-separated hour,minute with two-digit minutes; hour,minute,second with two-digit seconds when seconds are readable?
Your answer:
3,38
